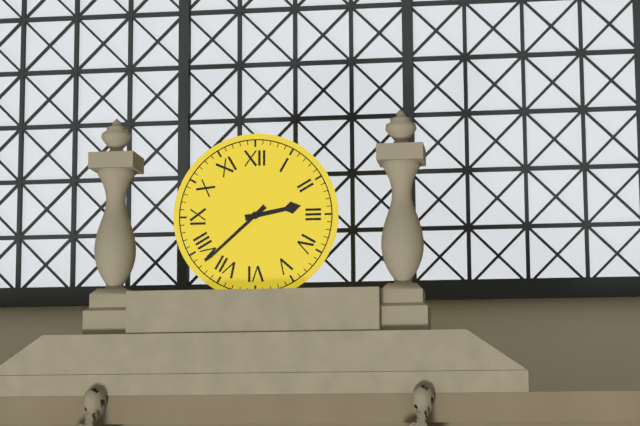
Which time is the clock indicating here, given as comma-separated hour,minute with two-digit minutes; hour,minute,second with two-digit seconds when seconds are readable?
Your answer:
2,38
